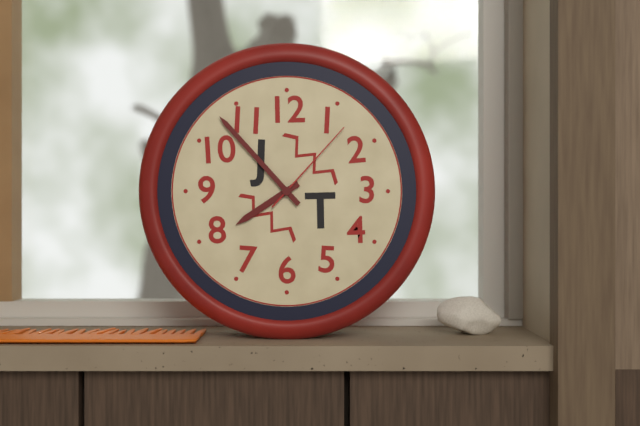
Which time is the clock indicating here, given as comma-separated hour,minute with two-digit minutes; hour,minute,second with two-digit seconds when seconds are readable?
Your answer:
7,53,07
